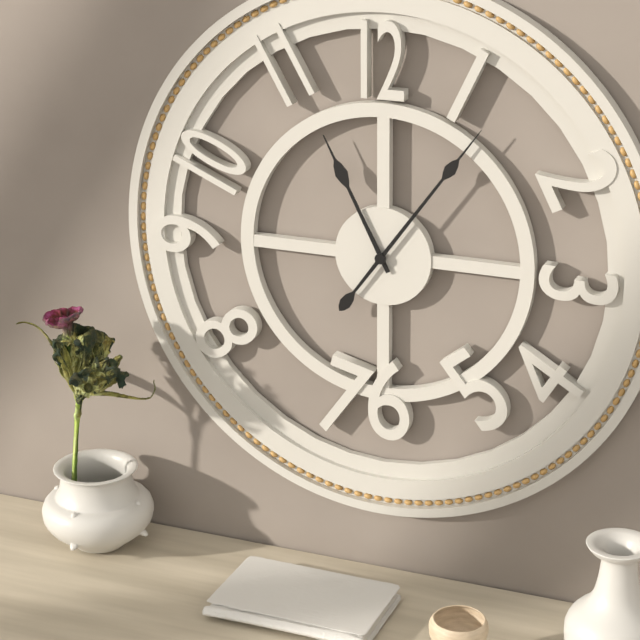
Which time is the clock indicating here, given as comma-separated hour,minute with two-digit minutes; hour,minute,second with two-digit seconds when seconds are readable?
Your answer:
11,06
